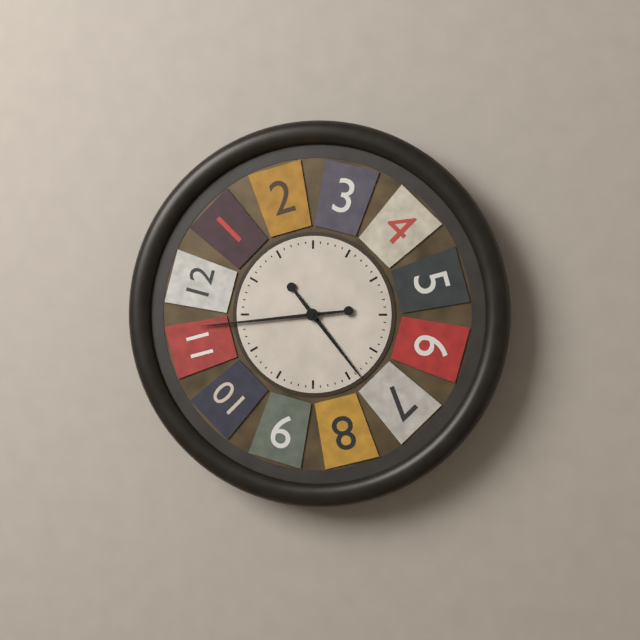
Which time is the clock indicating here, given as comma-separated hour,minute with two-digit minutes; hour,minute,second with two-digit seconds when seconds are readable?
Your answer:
4,44
